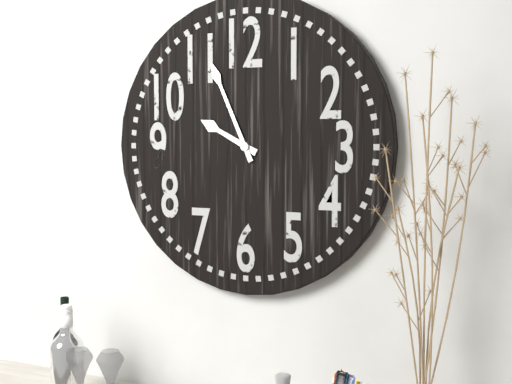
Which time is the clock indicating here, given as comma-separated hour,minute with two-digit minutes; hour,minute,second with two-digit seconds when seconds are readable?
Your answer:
9,56
